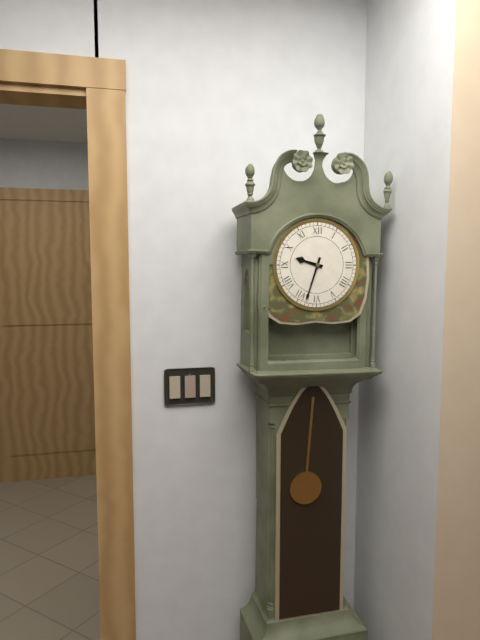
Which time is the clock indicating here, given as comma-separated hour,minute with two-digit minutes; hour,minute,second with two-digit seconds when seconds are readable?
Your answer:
9,33
